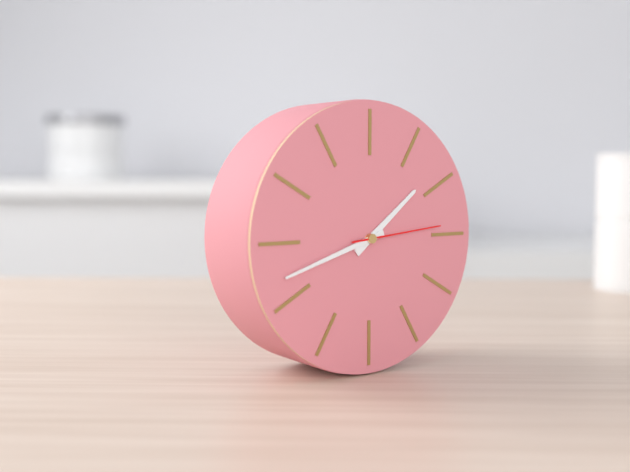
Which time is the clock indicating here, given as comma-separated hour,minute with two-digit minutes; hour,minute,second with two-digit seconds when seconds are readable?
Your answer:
1,42,14
